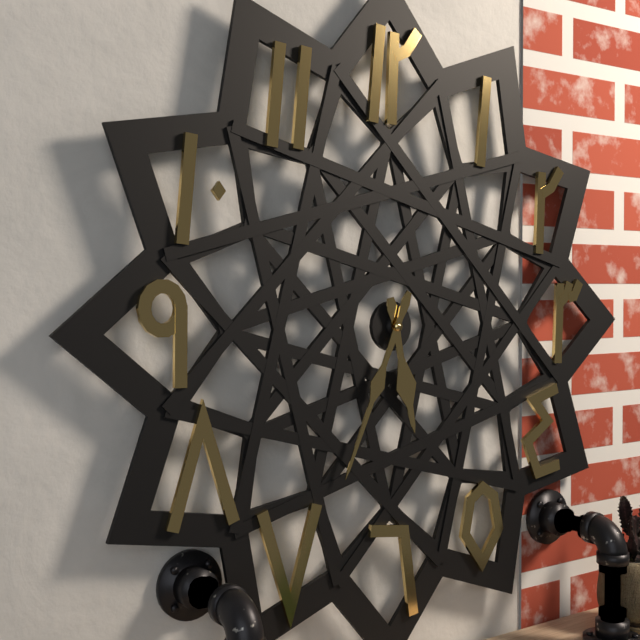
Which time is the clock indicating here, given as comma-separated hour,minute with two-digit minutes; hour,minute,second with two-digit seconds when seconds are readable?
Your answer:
5,34
